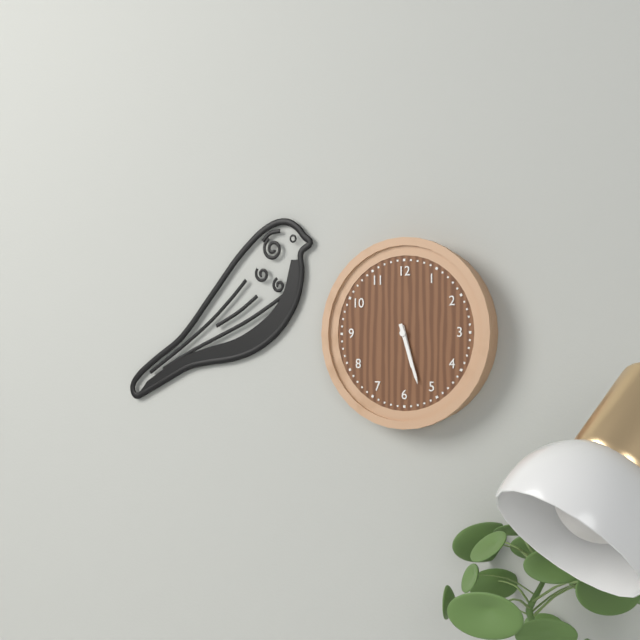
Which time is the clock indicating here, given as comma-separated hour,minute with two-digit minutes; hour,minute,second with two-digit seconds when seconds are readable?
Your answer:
5,27
